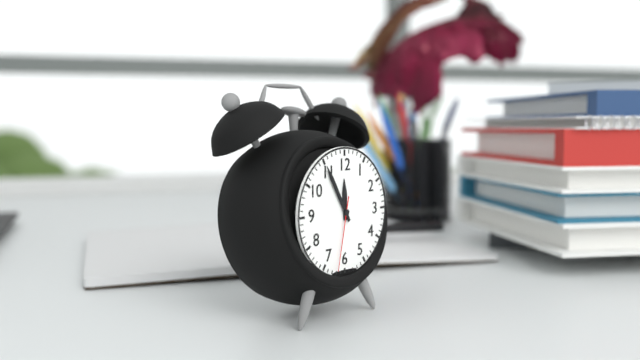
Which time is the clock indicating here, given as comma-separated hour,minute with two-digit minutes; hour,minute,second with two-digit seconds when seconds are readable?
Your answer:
11,55,32
